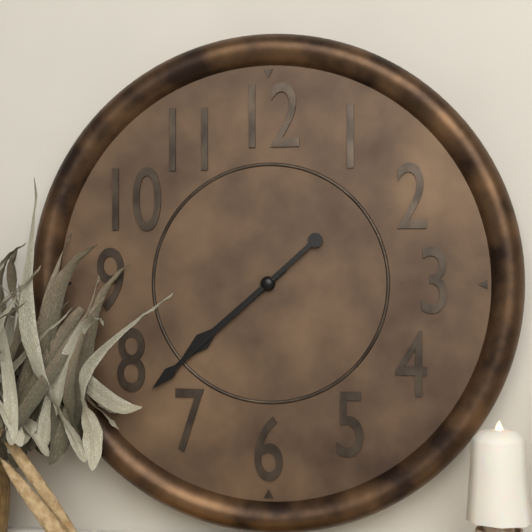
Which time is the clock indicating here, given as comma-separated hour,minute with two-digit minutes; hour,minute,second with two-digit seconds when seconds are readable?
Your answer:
7,38
